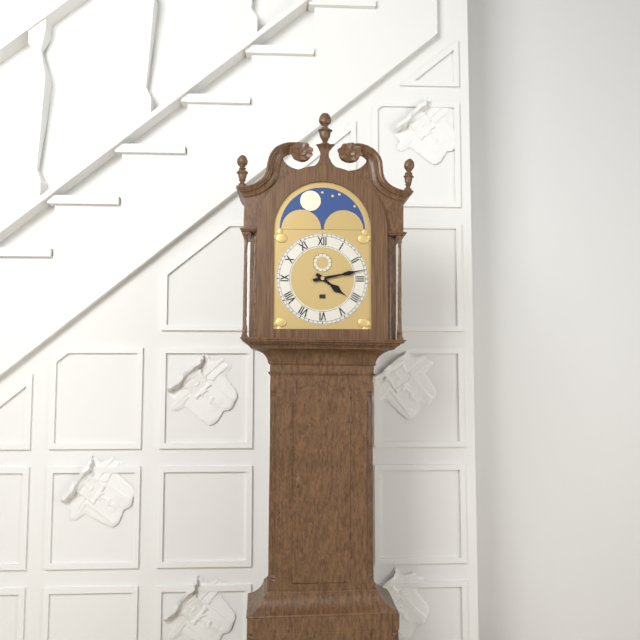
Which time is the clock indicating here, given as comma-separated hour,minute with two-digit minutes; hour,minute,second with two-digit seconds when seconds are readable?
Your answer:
4,13
